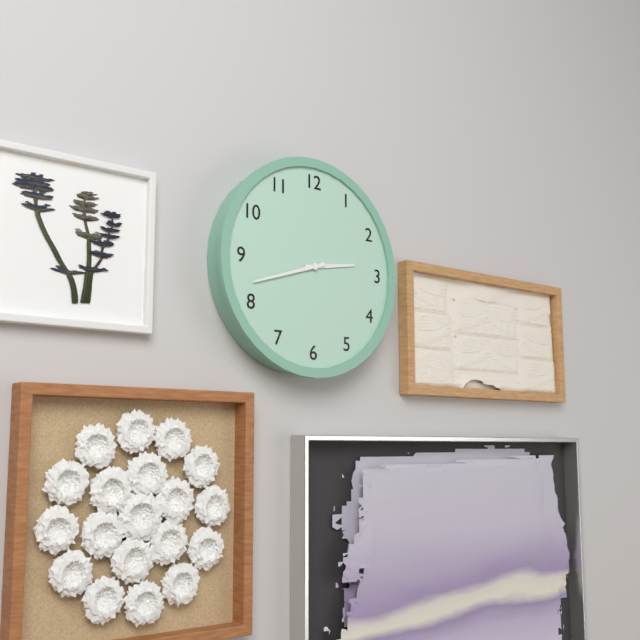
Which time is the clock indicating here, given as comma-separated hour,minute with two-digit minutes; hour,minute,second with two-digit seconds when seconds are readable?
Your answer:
2,42
